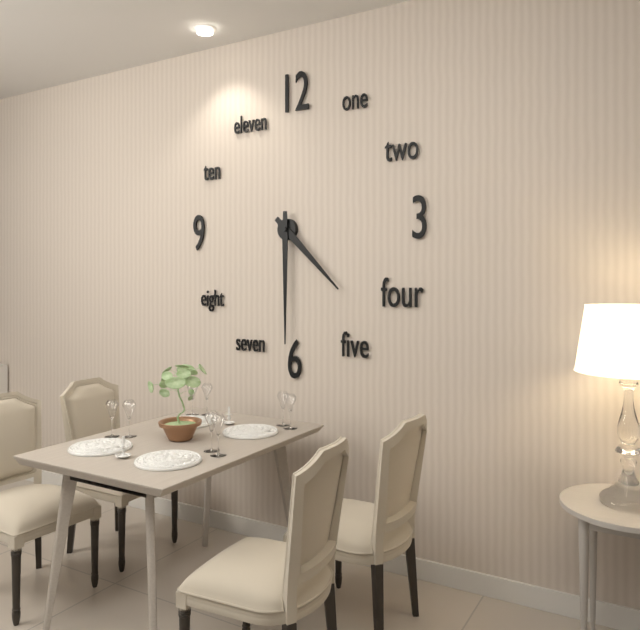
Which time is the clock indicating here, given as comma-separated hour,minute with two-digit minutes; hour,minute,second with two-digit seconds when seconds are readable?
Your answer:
4,30
